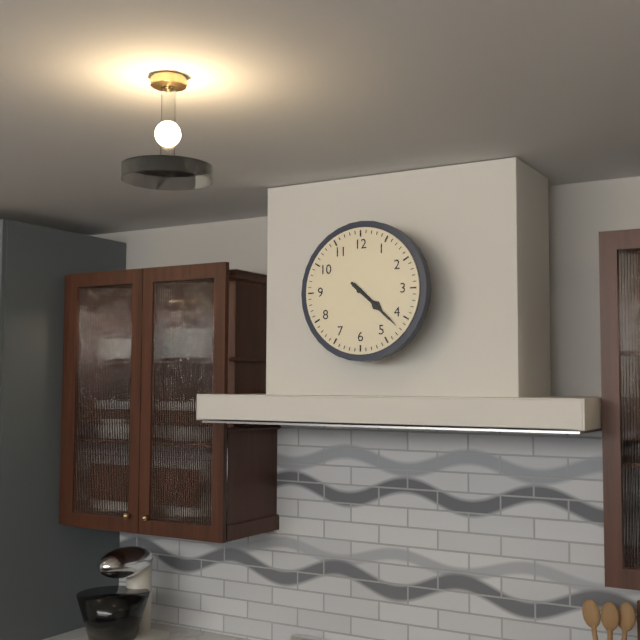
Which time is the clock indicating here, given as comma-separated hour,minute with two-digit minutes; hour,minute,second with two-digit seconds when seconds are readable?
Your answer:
4,22
